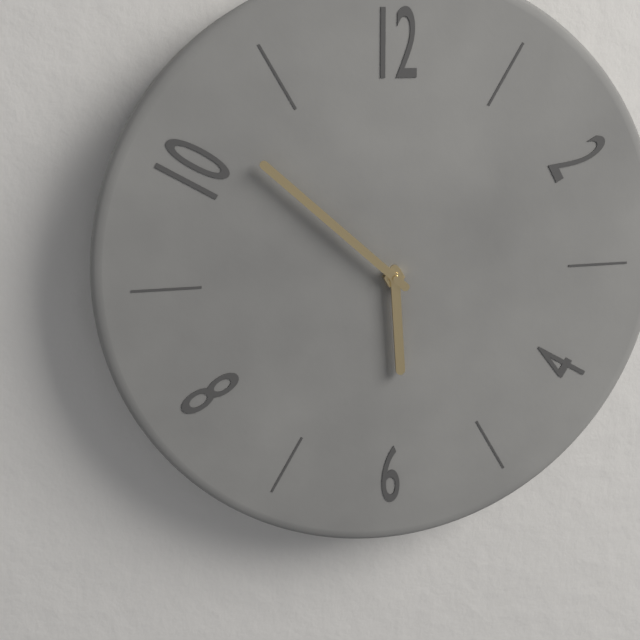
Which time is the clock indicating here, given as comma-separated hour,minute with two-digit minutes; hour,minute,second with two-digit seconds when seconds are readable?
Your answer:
5,52
